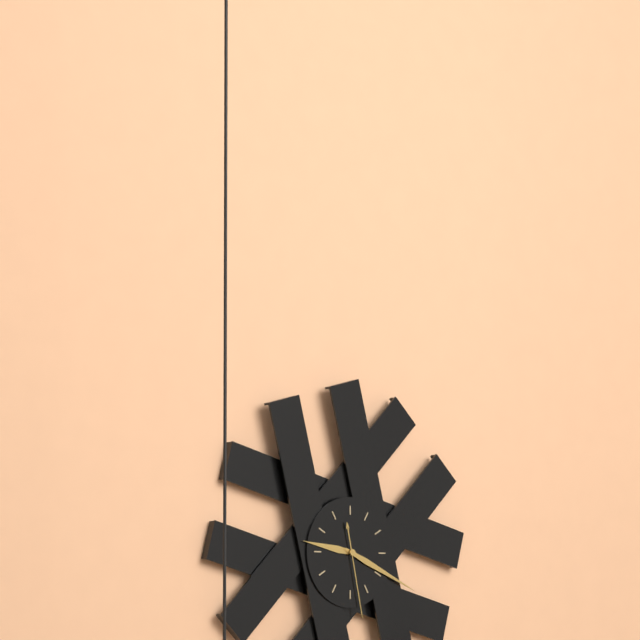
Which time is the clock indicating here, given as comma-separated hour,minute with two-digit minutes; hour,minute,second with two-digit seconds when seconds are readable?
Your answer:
9,19,28
